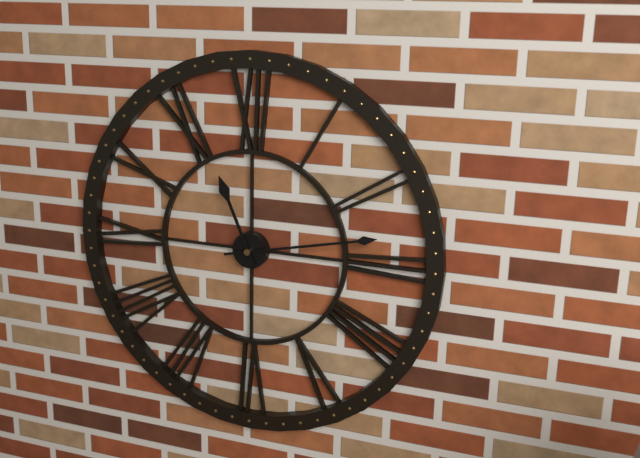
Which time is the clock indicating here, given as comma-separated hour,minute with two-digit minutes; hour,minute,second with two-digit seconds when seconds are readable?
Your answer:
11,13
